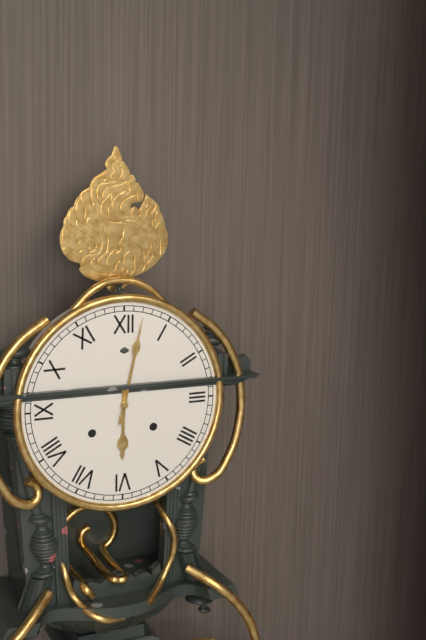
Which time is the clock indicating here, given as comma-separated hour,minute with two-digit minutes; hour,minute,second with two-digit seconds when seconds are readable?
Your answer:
6,02
